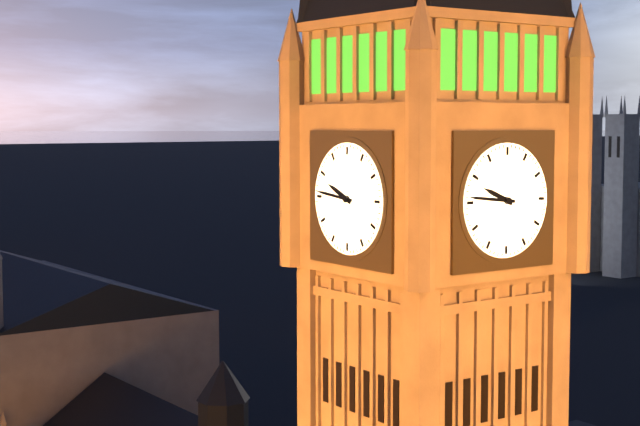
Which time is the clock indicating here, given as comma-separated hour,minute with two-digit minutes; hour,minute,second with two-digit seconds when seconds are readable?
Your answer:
9,46
